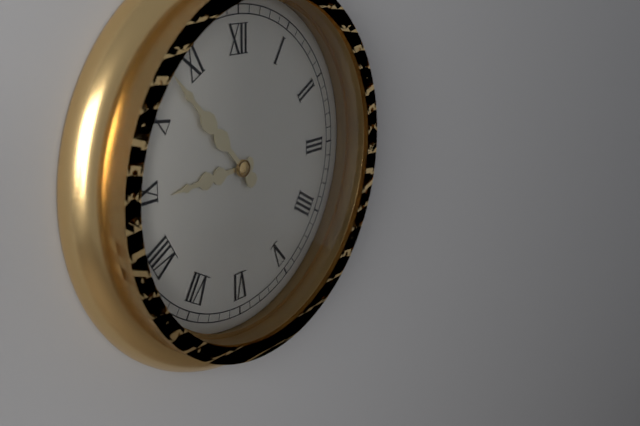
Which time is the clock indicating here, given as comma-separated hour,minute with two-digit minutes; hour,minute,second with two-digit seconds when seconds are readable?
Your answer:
8,53
